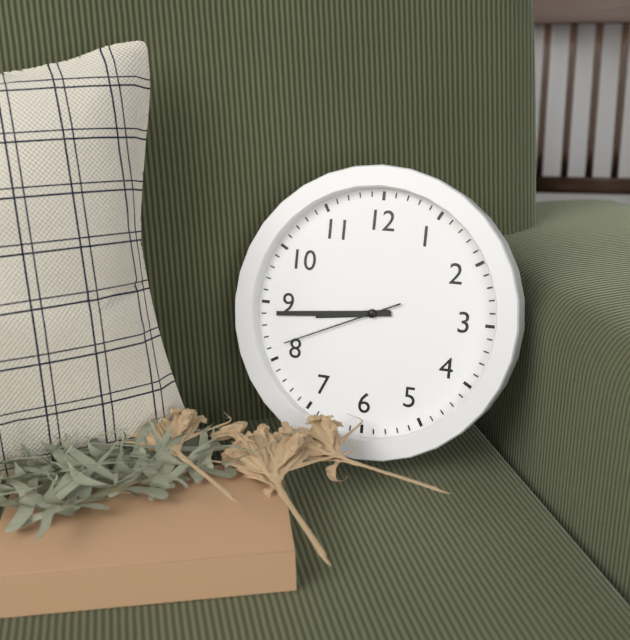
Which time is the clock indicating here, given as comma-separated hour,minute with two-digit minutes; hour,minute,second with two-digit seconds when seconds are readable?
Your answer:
8,44,41
